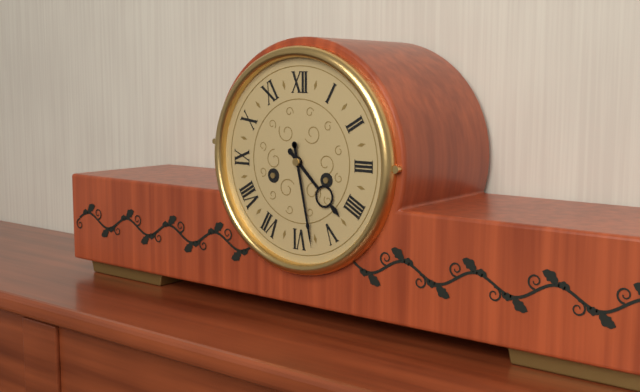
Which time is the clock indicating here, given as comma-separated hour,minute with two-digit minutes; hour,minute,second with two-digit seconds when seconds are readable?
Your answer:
4,28
